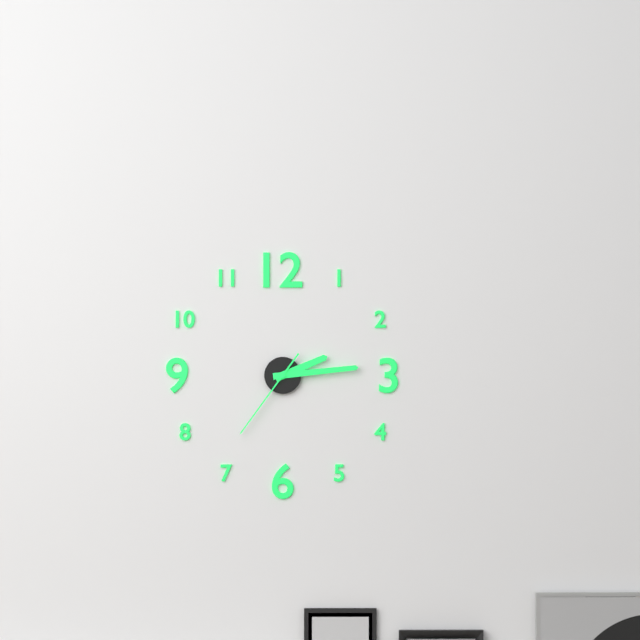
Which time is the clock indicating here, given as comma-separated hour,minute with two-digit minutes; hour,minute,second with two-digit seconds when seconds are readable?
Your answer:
2,14,36
